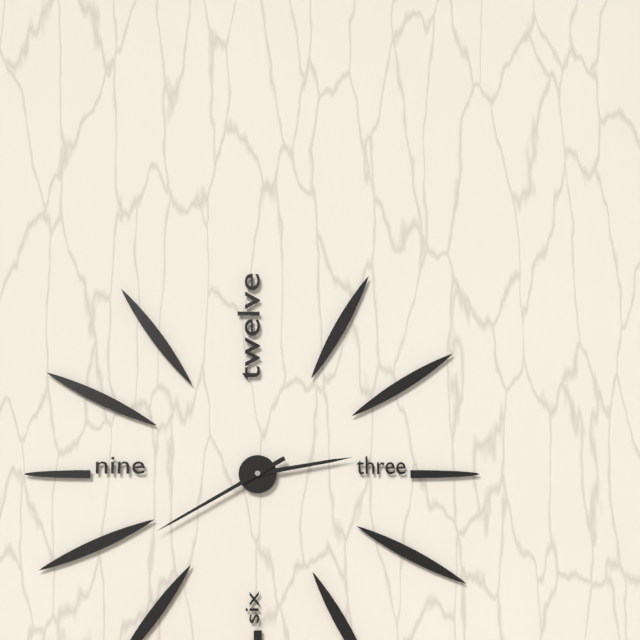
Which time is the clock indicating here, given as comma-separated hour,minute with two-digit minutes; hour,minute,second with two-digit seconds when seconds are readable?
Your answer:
2,40
